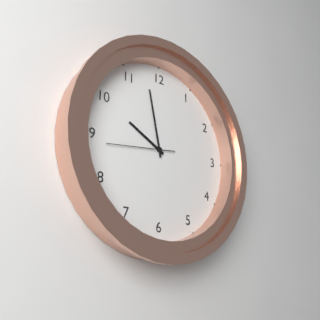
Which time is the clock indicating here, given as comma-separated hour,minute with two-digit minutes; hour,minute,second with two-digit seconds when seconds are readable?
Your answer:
9,58,44
